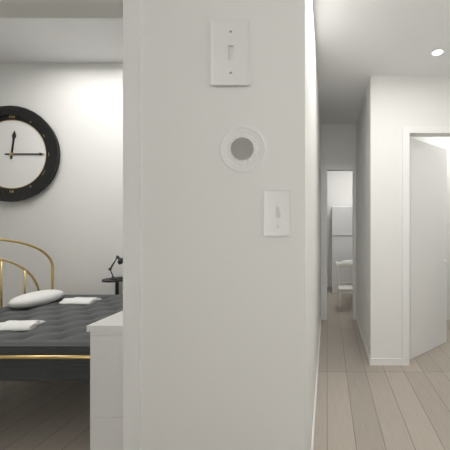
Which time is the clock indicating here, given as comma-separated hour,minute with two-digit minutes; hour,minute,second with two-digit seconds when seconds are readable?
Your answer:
12,15
